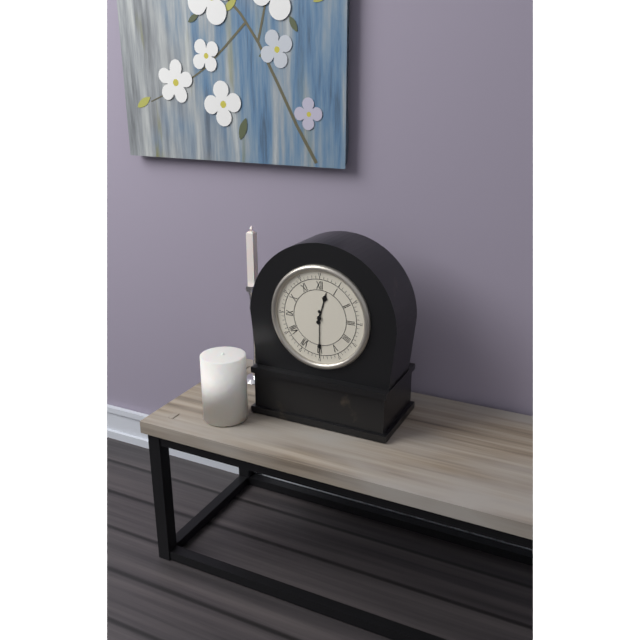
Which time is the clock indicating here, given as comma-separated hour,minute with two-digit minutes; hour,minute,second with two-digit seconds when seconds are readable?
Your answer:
12,30
